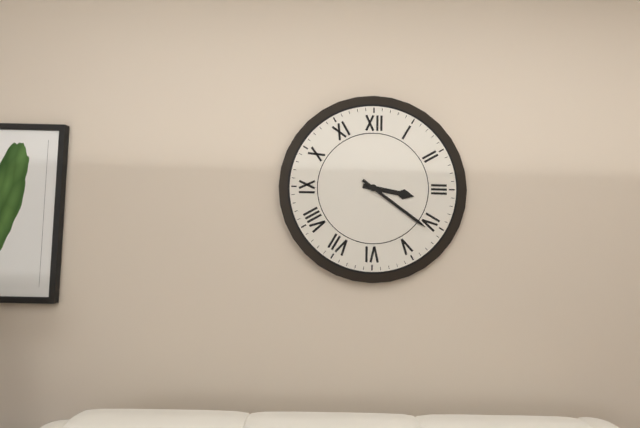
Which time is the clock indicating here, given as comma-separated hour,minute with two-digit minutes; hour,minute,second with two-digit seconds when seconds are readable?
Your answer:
3,21
